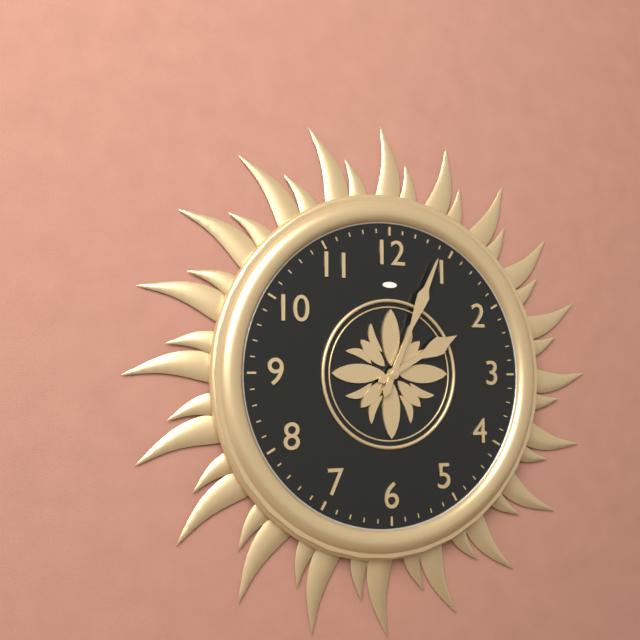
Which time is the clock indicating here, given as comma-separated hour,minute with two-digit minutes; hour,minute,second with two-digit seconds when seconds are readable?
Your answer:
2,04
